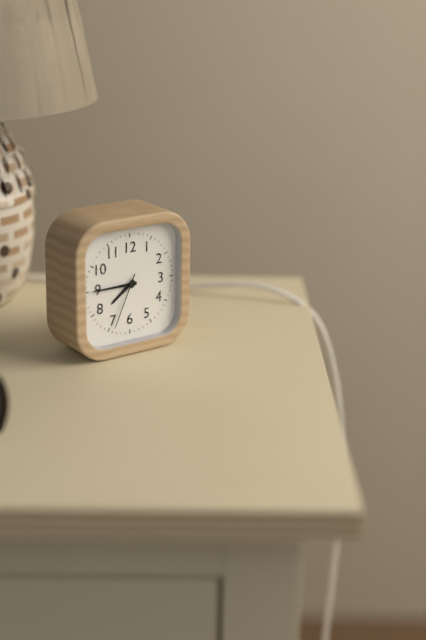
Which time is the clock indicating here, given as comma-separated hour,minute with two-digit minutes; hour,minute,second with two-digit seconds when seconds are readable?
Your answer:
7,45,34
